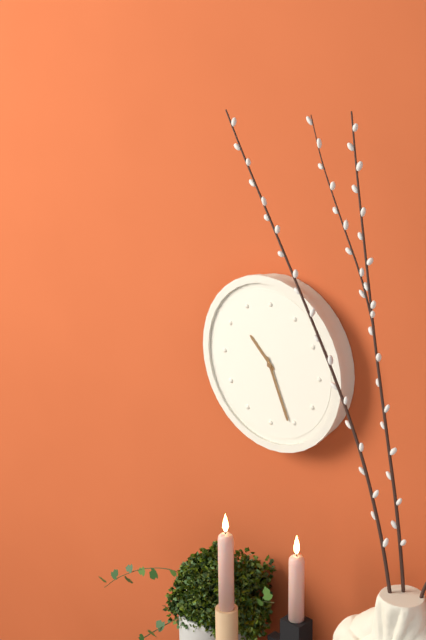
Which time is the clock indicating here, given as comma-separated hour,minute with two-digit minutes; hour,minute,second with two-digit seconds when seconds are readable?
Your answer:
10,26
